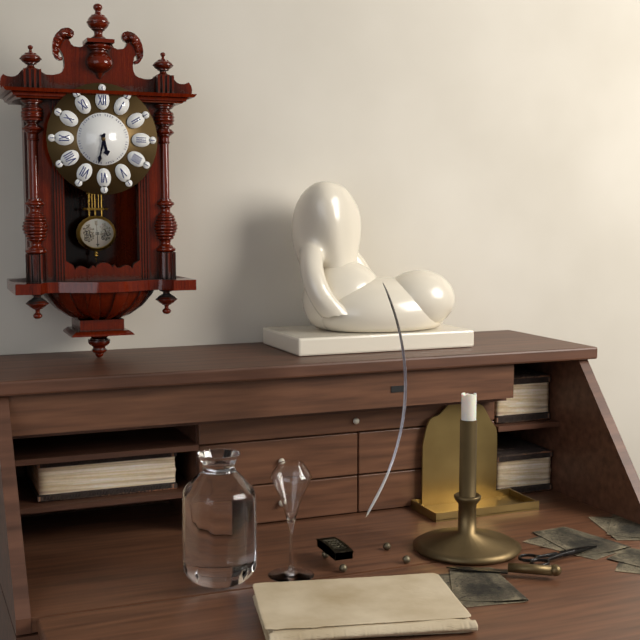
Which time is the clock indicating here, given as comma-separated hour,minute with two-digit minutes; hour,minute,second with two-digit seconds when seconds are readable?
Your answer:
5,32
